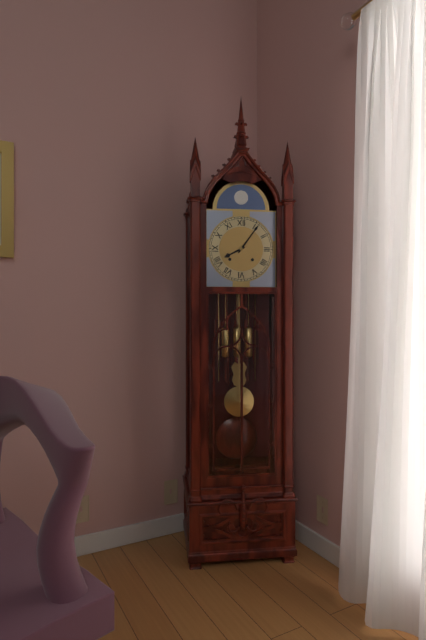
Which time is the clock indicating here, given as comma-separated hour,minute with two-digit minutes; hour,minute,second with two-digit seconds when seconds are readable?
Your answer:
8,06
